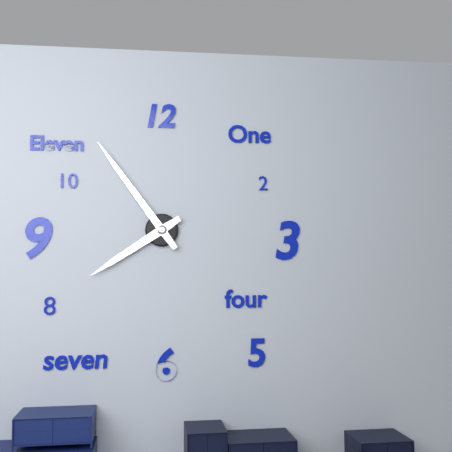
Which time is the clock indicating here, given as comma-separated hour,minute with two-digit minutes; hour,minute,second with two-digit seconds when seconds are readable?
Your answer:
7,54
